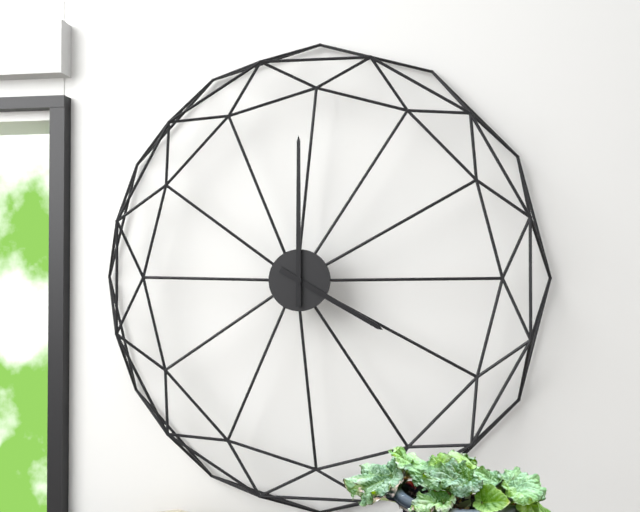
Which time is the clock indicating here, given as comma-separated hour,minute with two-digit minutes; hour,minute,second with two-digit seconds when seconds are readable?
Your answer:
4,00
